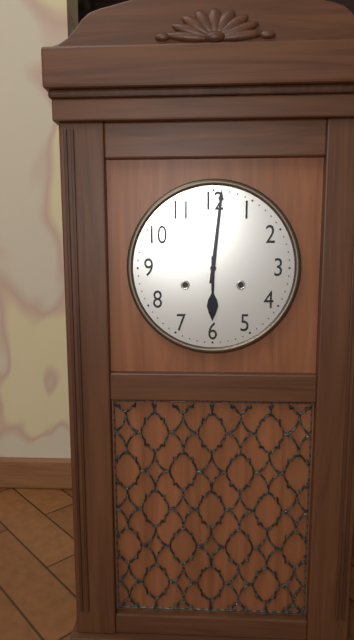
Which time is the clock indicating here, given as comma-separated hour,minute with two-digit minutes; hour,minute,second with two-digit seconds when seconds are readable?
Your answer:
6,01
